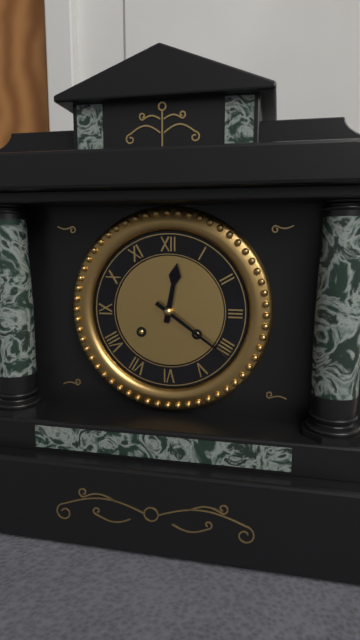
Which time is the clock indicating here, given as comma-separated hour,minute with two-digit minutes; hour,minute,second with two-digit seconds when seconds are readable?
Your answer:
12,21
